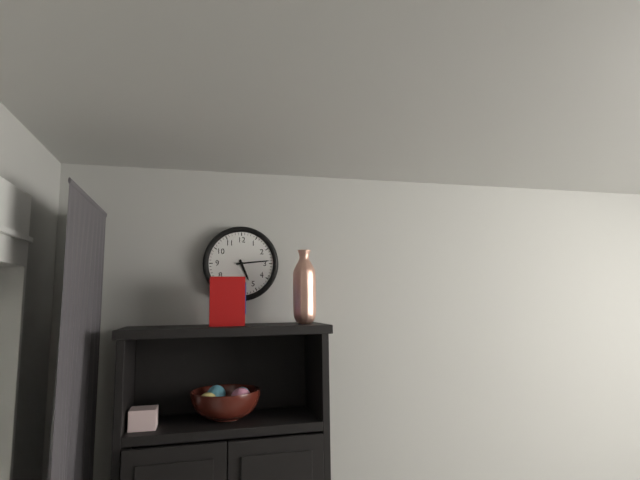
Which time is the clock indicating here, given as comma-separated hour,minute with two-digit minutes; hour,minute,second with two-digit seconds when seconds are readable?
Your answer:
5,14
